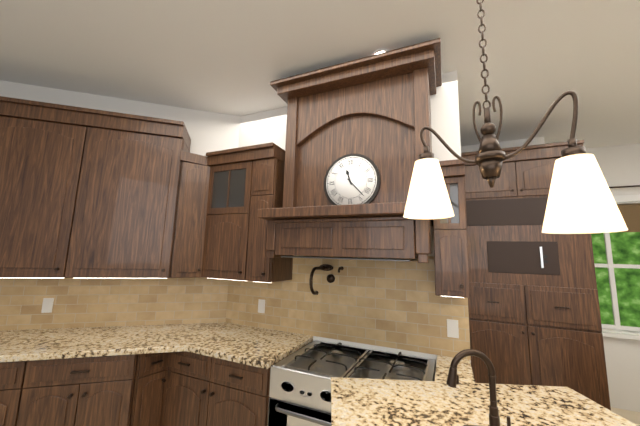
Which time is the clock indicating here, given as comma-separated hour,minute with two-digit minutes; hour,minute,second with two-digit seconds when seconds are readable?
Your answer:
11,23
